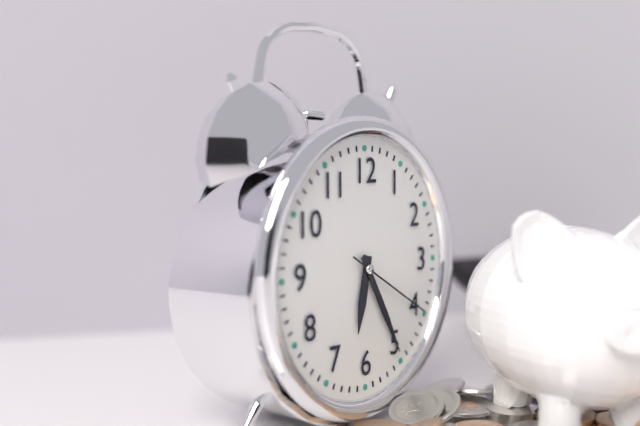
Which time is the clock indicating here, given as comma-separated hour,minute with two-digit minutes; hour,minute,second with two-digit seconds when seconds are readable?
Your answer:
6,25,20
